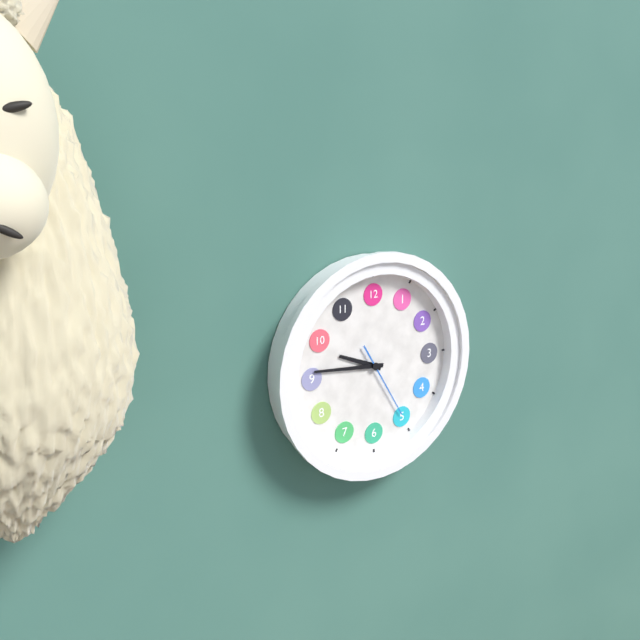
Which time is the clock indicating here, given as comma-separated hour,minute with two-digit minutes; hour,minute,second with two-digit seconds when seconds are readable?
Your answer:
9,46,25
